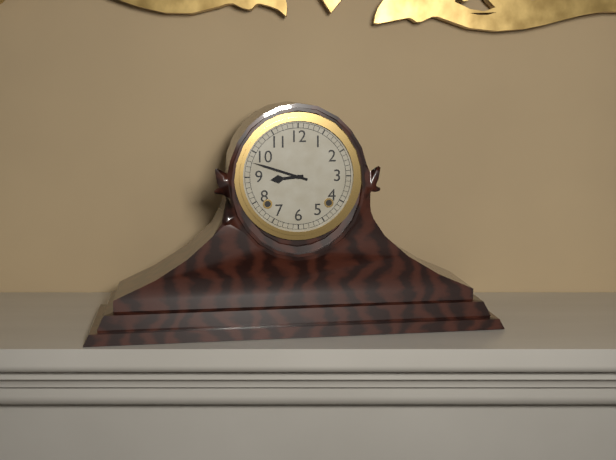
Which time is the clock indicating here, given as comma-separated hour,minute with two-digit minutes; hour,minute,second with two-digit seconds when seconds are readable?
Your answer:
8,48
